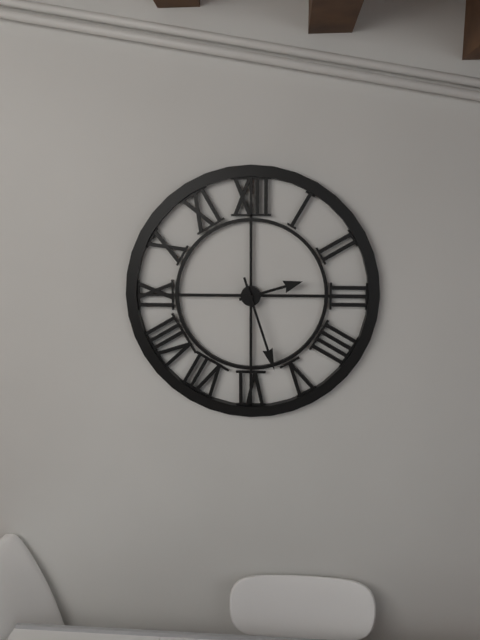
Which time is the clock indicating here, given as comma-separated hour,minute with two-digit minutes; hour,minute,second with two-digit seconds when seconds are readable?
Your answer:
2,27
